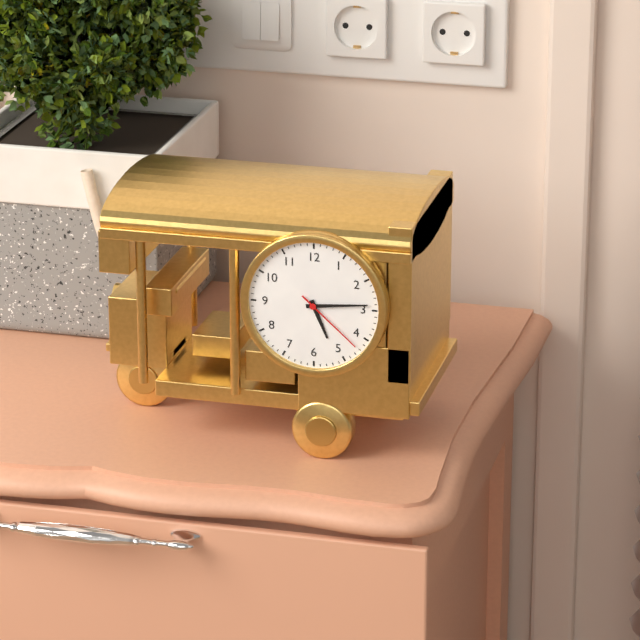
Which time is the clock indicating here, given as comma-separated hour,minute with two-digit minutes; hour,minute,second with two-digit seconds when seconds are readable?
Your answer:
5,14,22
